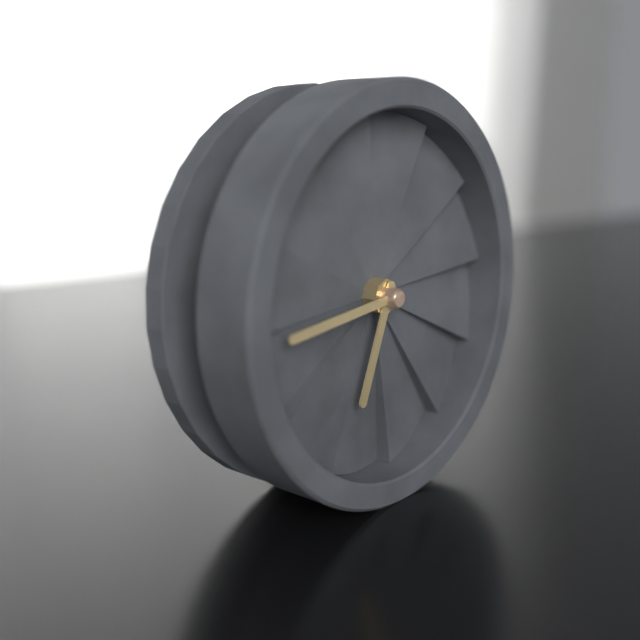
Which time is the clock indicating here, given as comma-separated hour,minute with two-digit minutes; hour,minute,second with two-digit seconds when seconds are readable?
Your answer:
6,44
